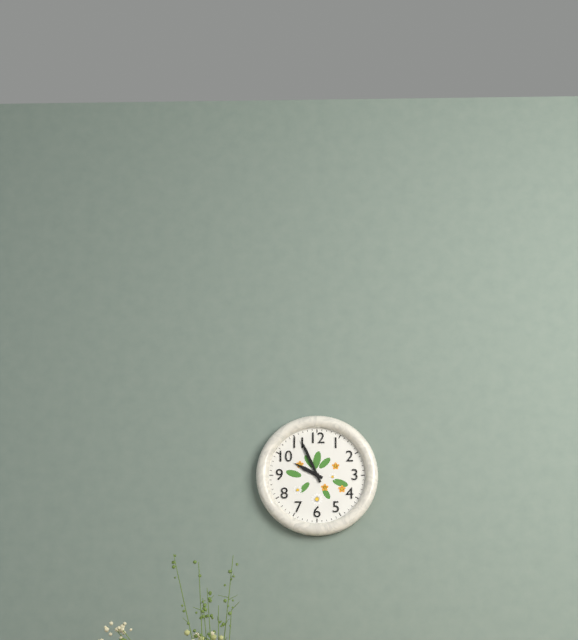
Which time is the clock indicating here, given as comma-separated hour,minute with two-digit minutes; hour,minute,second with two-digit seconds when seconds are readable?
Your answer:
9,56
